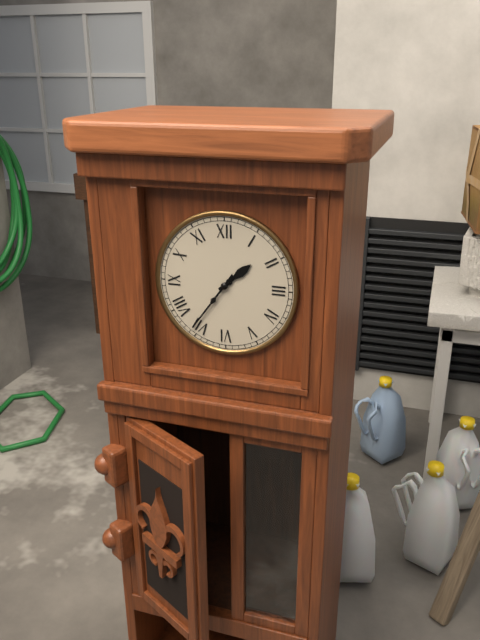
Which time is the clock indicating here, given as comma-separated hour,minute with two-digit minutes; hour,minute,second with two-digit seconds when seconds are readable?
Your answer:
1,36
